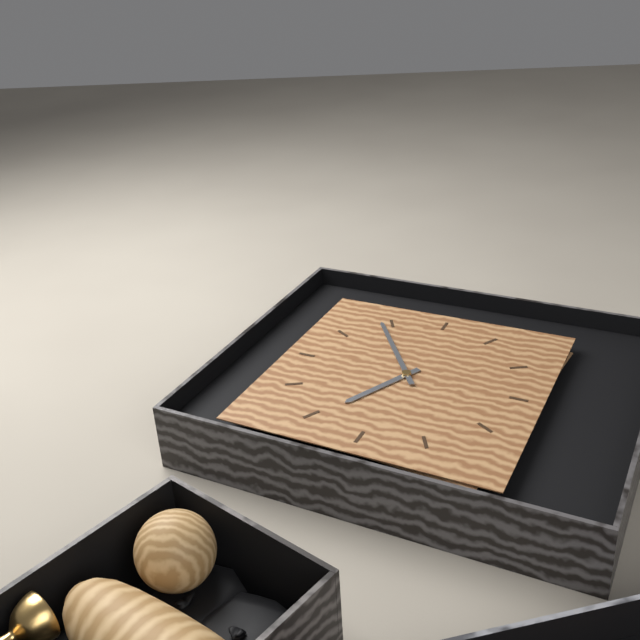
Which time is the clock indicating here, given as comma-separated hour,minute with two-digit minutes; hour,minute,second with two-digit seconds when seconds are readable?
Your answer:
6,54
